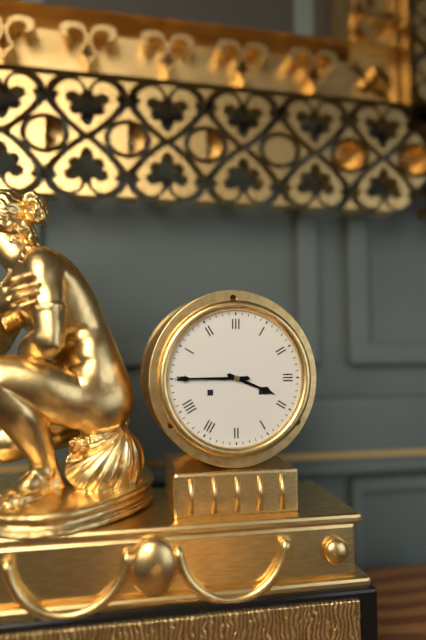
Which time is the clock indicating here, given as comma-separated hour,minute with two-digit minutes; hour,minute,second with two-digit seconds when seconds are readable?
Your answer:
3,45
